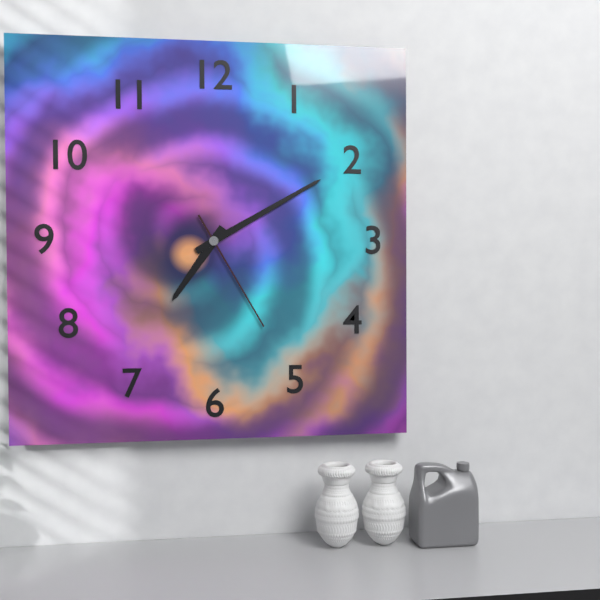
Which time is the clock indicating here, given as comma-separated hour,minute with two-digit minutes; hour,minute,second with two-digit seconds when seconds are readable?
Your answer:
7,10,25
